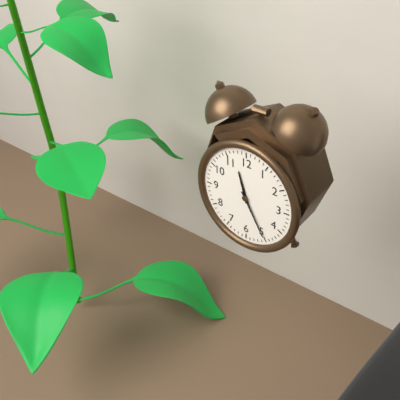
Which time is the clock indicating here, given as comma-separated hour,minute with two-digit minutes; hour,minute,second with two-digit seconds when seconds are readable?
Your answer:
11,25
